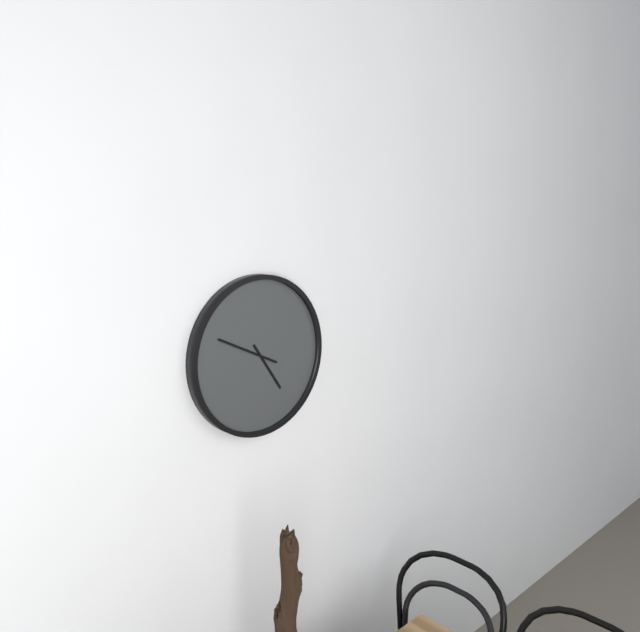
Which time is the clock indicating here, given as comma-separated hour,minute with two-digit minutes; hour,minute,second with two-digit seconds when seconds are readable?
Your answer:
4,49
